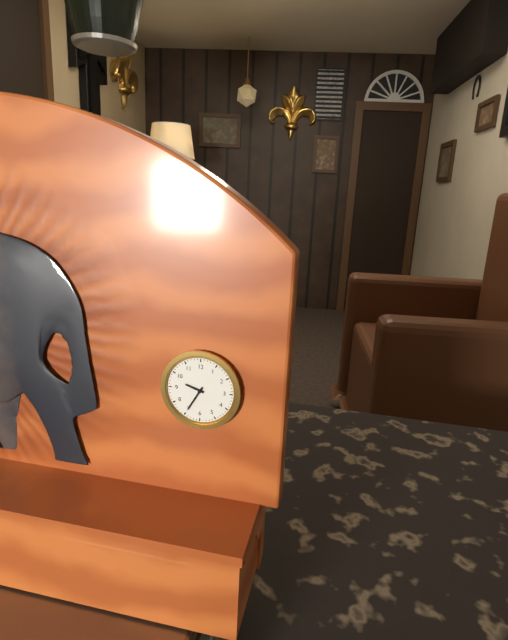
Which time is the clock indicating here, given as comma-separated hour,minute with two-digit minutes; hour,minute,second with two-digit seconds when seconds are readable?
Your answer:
9,35
